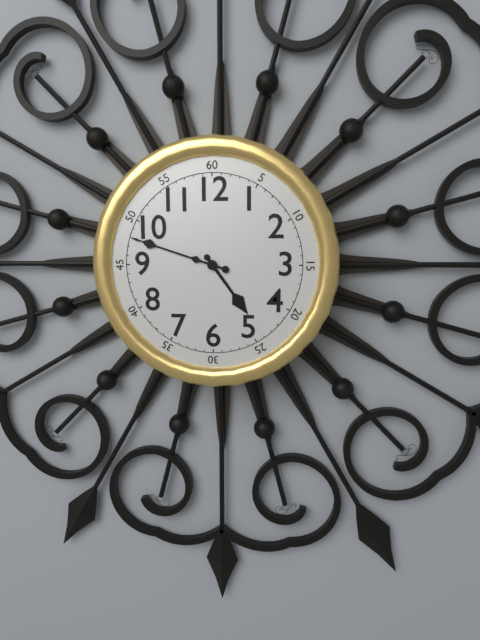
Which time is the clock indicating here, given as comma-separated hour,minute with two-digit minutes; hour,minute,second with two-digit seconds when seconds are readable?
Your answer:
4,48
